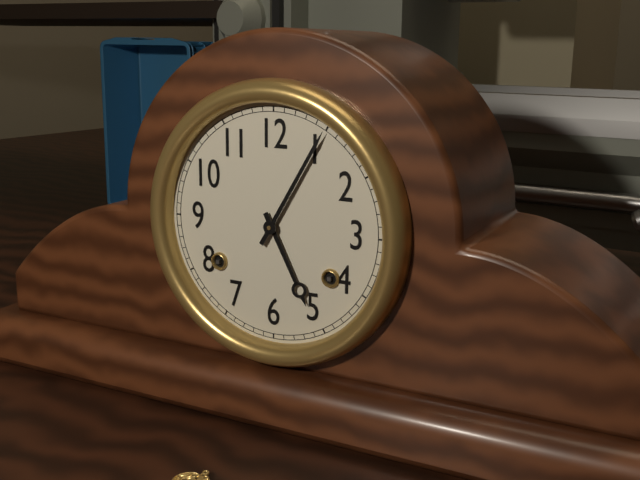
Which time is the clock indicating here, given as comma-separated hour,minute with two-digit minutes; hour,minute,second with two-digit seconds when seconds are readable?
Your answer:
5,05
